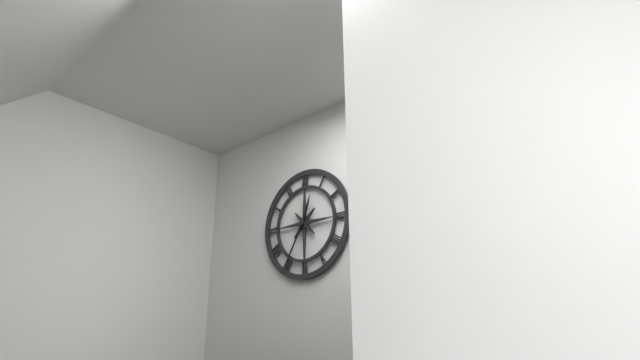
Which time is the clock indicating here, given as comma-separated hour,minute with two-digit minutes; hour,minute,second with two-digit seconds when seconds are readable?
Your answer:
12,35
